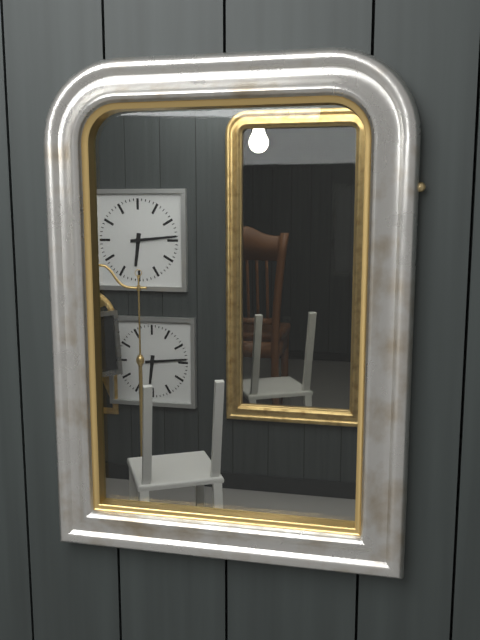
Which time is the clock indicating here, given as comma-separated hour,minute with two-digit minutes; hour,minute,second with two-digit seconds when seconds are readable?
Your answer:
6,14
